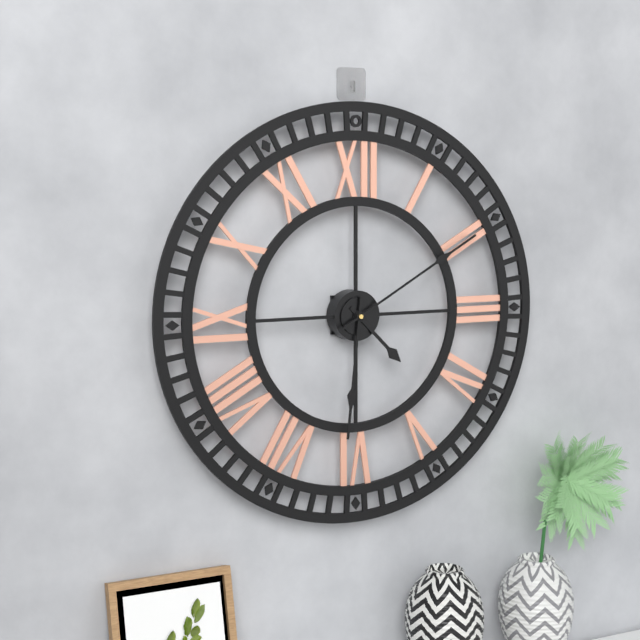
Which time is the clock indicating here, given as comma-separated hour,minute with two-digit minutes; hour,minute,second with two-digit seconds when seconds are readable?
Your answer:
4,31,10
